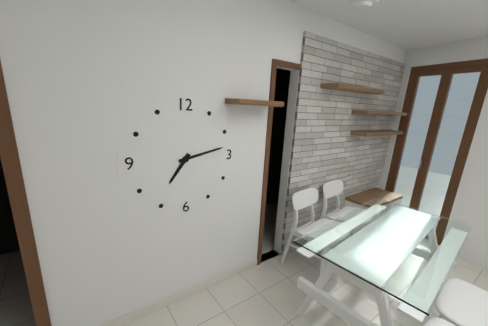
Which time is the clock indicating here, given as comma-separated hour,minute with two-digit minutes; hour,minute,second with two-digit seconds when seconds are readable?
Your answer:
7,13
